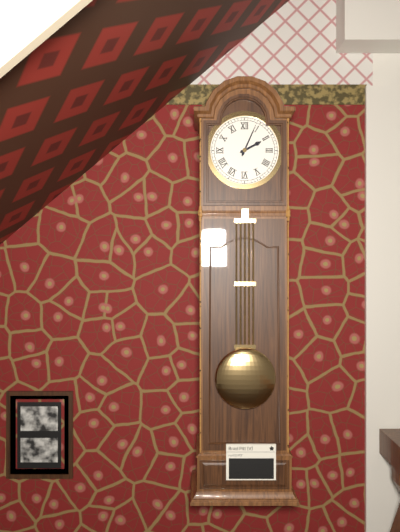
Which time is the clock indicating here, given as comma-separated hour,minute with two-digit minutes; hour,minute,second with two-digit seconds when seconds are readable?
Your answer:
2,04
